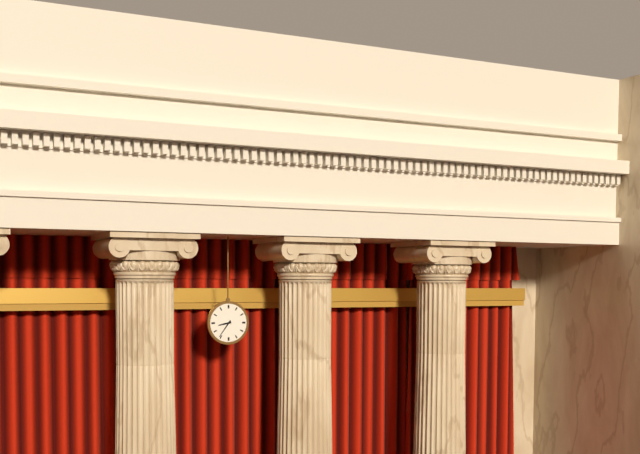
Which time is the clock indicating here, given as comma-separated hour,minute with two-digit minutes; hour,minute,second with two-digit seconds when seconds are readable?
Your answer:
8,36
